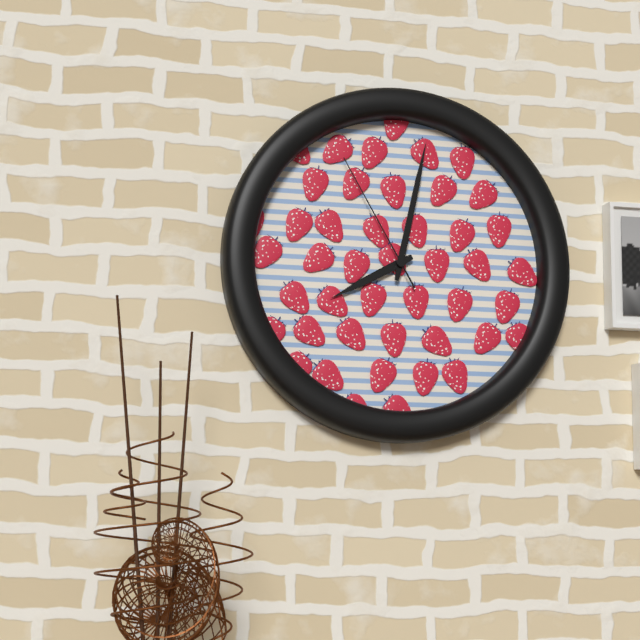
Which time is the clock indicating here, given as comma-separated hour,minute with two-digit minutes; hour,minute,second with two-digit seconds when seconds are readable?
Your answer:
8,02,55
